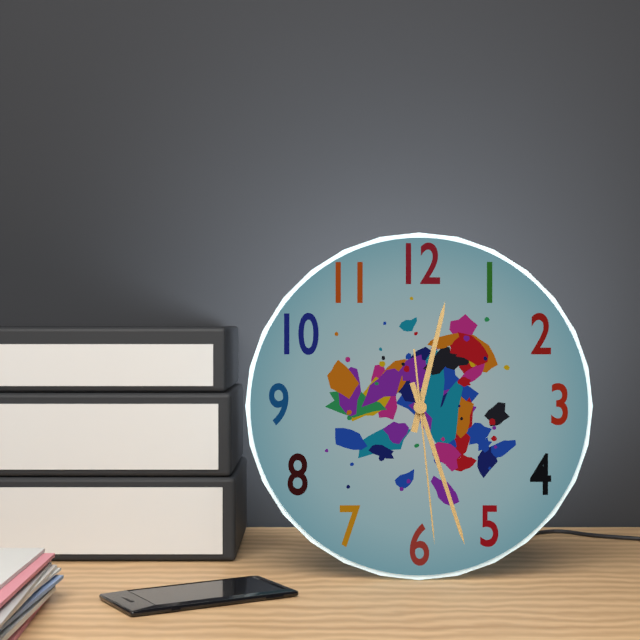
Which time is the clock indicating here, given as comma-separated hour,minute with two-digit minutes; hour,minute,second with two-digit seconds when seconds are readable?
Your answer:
12,27,29
